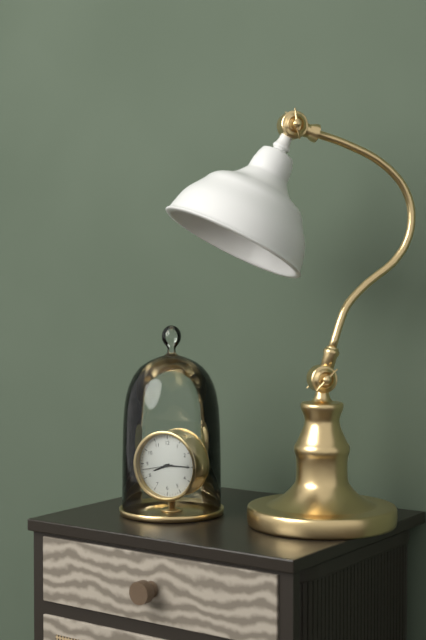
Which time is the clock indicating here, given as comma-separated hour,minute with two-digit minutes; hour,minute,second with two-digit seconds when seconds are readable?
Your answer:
8,15
